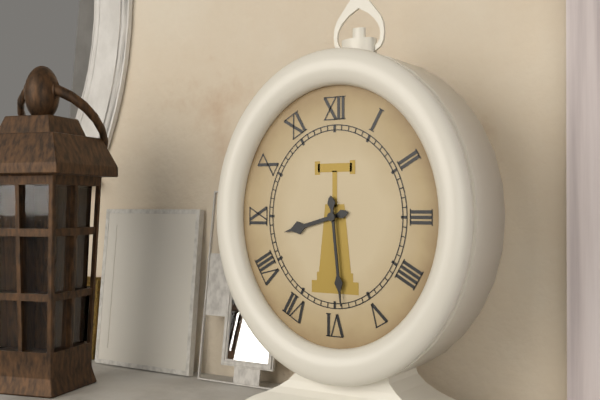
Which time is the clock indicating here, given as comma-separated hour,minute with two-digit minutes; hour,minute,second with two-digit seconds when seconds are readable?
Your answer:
8,29
